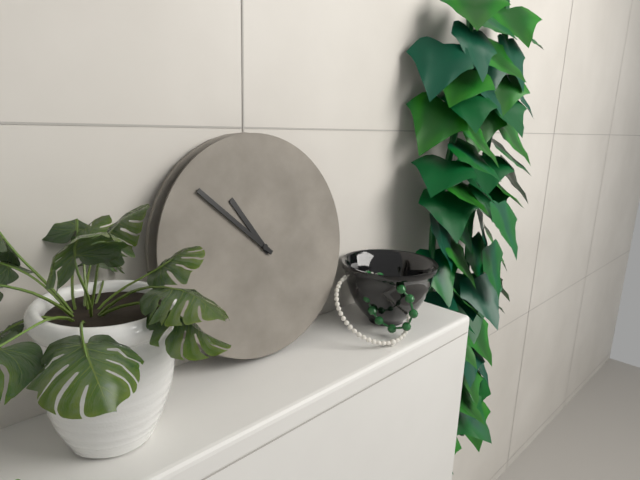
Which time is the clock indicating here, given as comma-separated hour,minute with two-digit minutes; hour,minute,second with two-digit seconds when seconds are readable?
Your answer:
10,52
